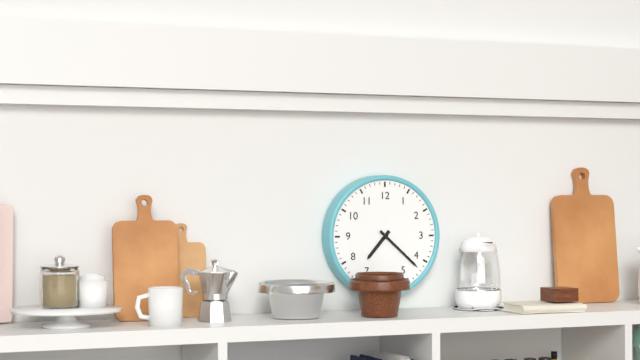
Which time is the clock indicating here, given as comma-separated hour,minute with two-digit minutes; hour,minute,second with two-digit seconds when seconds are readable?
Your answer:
7,22
